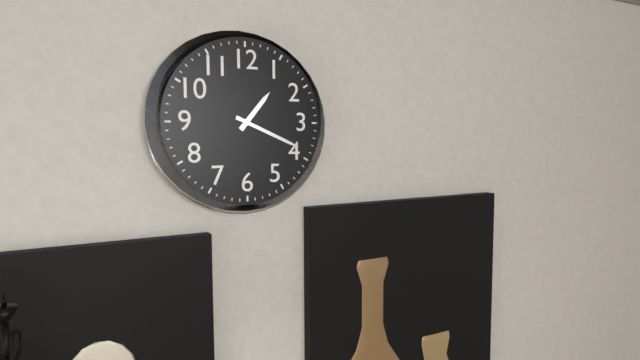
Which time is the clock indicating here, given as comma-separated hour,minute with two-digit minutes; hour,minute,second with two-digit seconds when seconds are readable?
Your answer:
1,19
